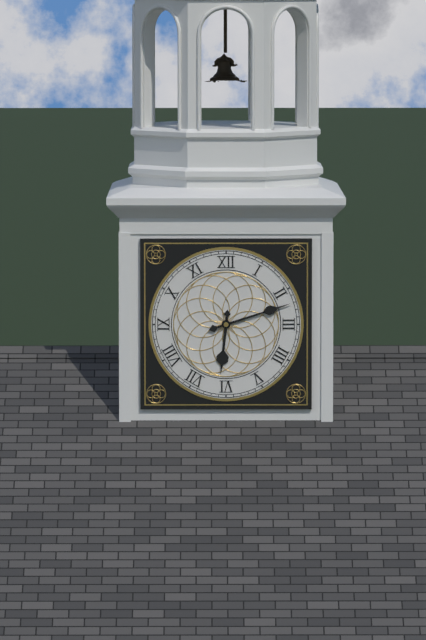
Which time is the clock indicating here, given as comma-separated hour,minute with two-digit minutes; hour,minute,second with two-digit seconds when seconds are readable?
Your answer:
6,12
